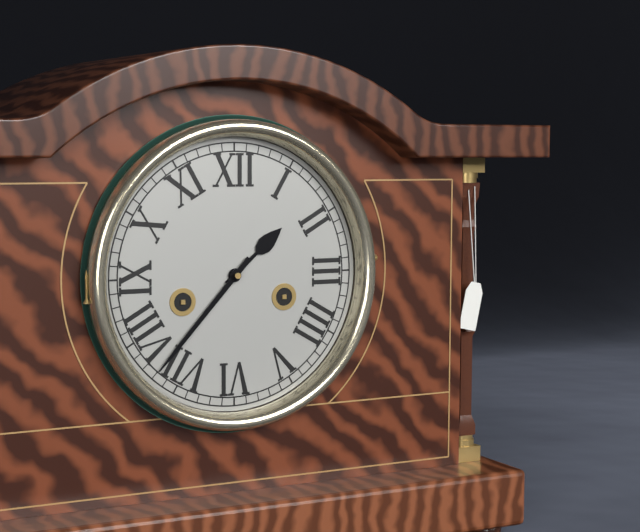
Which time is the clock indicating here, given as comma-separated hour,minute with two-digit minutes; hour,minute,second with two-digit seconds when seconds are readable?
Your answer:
1,37
